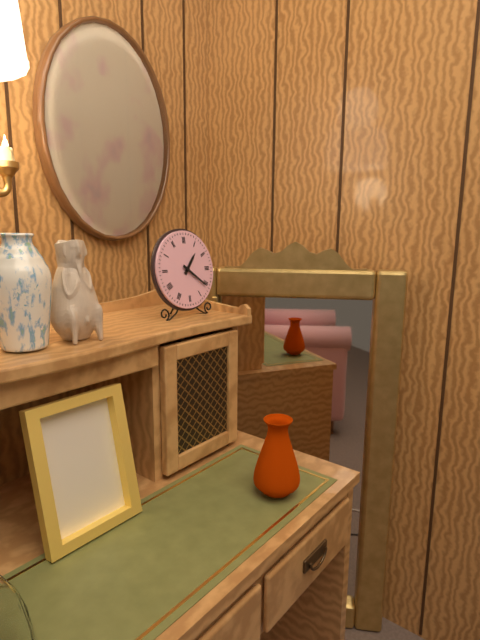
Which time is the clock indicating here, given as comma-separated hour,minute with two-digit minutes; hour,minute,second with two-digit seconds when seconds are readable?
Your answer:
1,21
